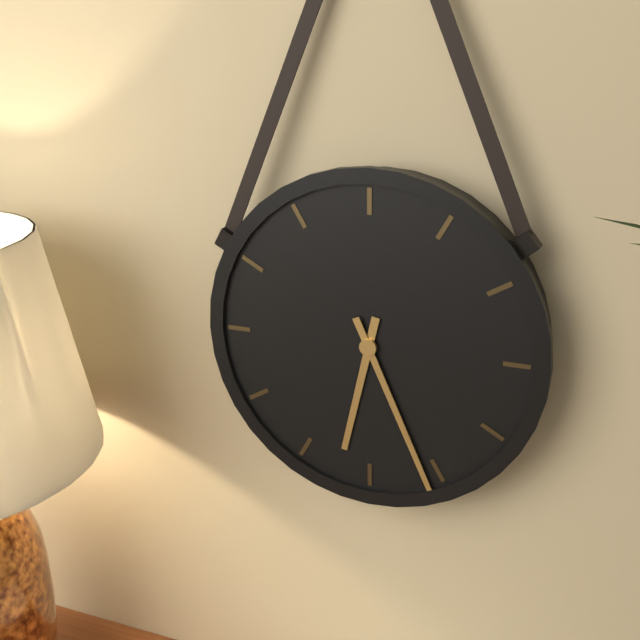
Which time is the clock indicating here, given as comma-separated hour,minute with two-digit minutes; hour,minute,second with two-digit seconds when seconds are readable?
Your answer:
6,26
